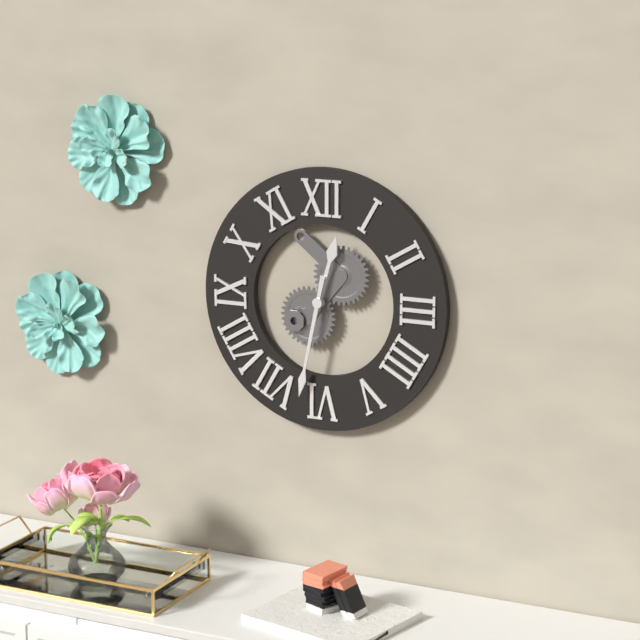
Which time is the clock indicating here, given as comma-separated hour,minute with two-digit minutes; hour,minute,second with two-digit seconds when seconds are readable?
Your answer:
12,32
